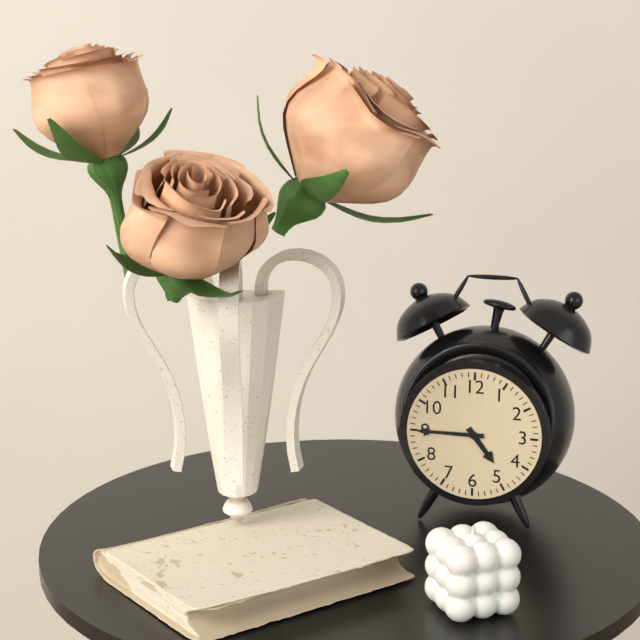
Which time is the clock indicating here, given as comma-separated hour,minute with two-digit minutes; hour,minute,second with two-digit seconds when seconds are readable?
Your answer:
4,45
